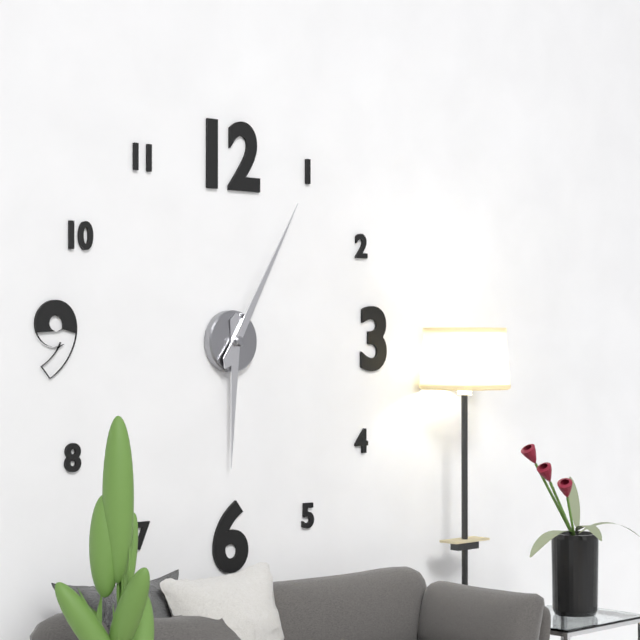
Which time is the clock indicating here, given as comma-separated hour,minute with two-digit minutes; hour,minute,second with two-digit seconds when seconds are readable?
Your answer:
6,05
